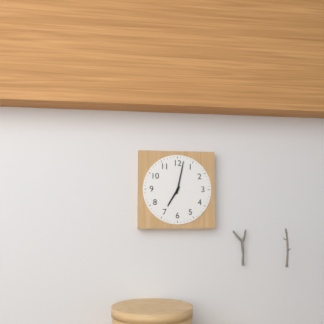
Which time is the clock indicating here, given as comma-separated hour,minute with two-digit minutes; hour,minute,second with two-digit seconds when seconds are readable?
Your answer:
7,02
